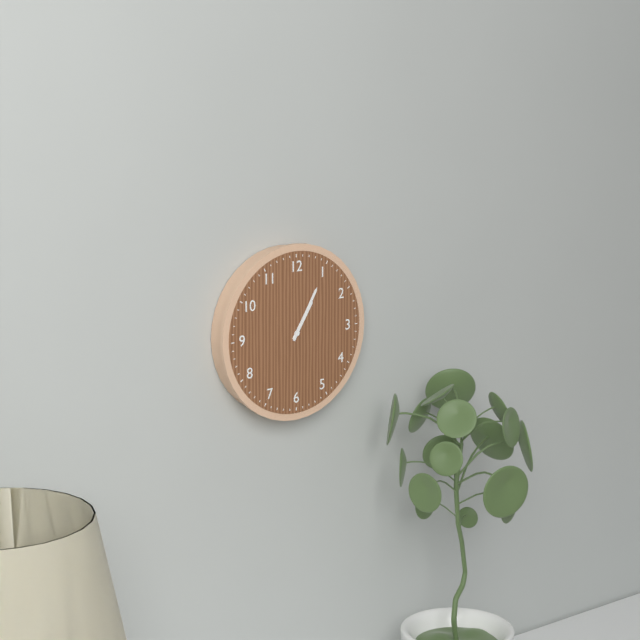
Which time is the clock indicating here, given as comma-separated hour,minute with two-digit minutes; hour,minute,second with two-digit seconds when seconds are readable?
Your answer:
1,05
